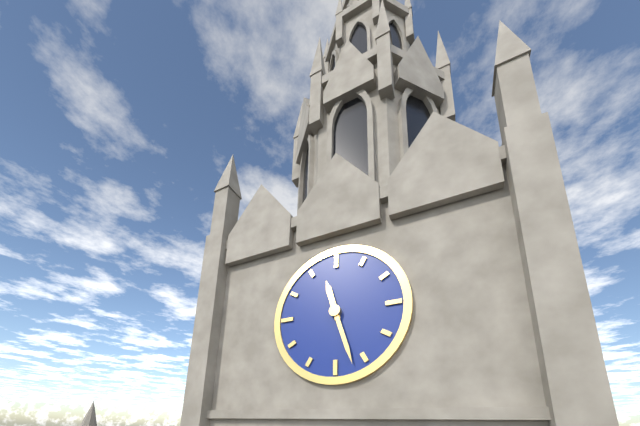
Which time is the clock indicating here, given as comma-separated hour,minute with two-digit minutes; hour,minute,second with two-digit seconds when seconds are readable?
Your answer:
11,27
